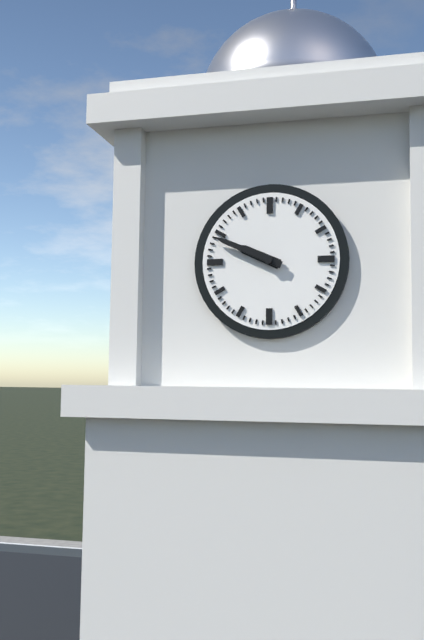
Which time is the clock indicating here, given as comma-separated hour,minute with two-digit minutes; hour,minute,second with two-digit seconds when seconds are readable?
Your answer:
9,49
